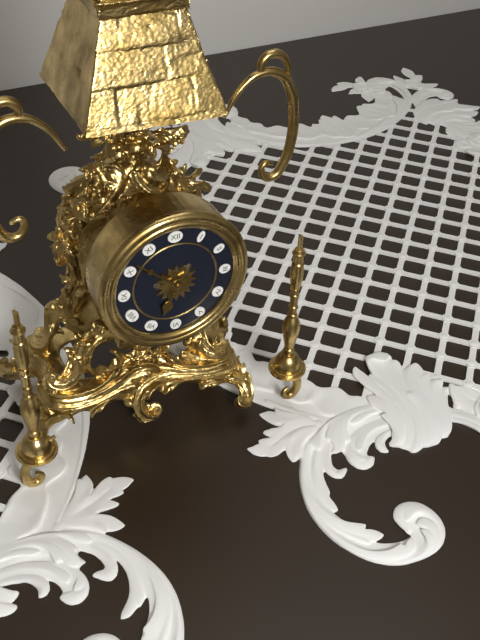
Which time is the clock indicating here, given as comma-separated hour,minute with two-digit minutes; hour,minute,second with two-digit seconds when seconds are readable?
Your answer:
6,52
